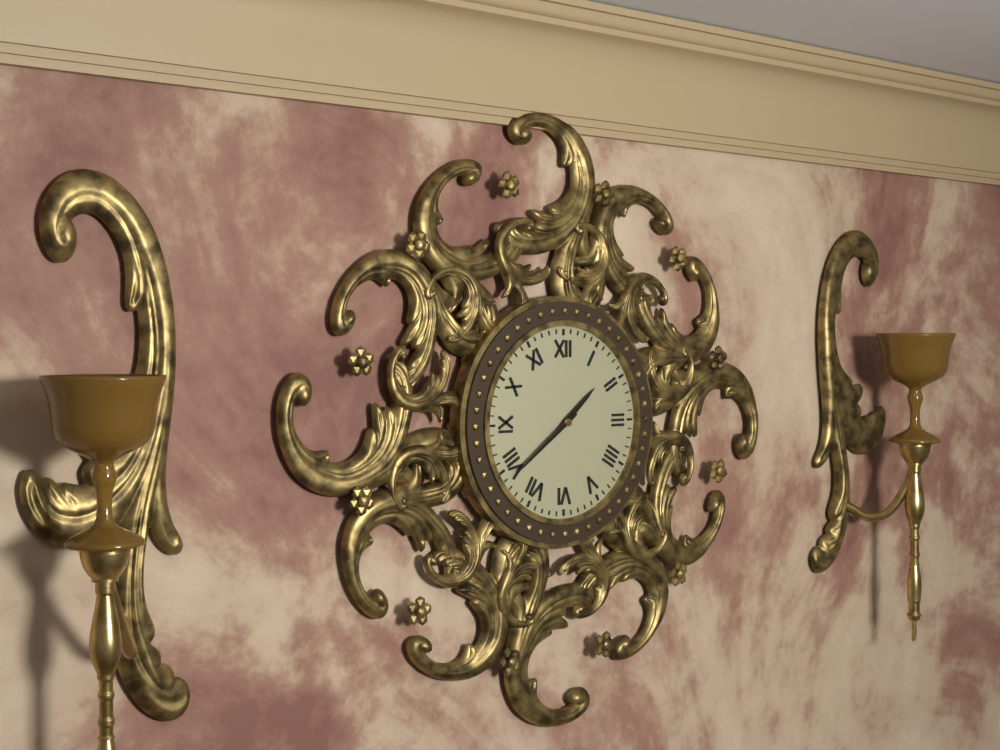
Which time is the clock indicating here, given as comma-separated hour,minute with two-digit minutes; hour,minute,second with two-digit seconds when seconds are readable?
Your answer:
1,39
